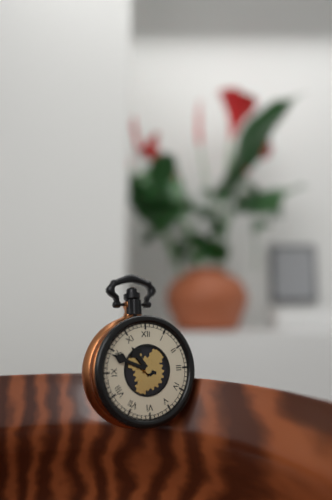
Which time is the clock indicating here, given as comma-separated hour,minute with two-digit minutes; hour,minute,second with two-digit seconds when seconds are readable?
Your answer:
10,49
